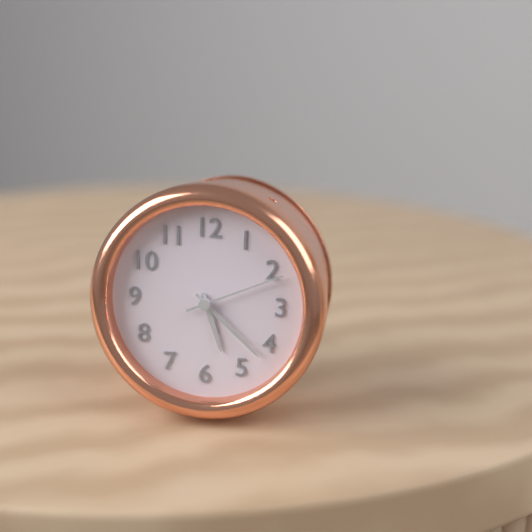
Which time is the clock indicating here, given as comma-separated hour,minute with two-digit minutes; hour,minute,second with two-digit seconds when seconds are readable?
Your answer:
5,22,11
